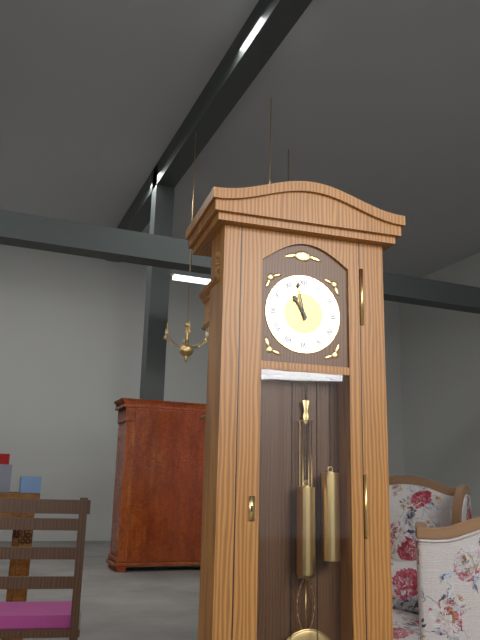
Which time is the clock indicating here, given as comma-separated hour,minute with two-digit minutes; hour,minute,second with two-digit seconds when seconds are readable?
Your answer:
10,58
